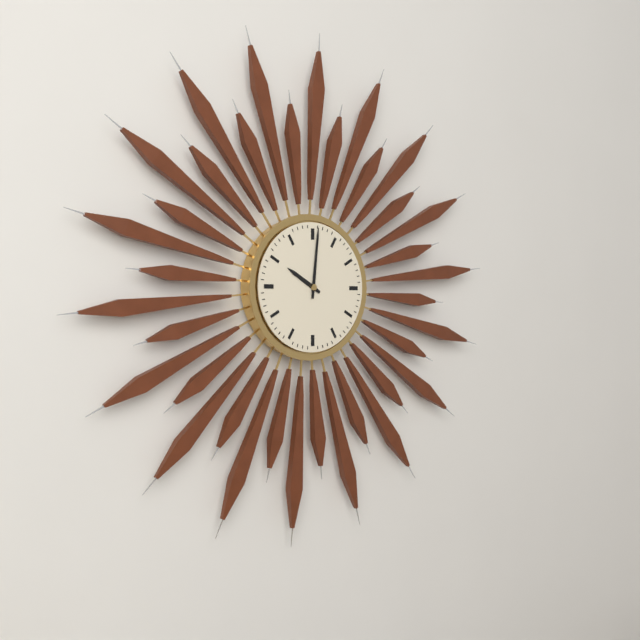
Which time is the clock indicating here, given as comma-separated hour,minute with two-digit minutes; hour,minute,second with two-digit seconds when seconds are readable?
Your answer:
10,01
